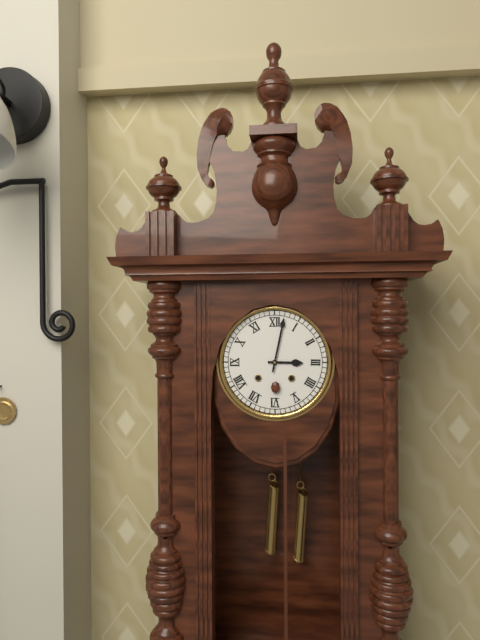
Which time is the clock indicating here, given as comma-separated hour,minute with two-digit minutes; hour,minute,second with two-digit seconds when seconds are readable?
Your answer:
3,02
